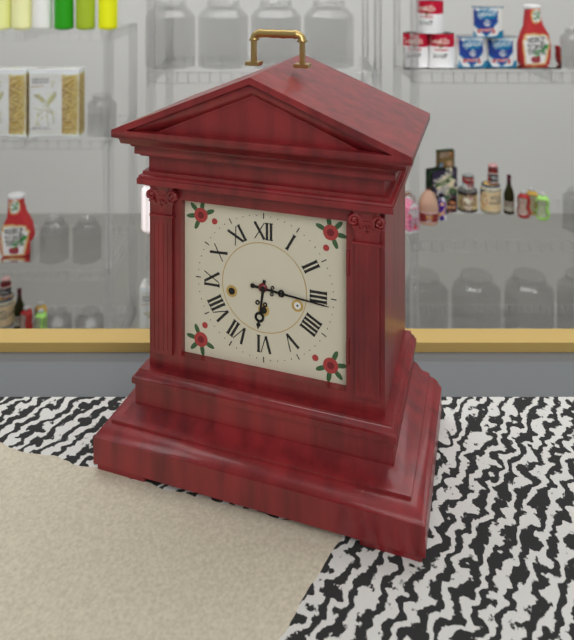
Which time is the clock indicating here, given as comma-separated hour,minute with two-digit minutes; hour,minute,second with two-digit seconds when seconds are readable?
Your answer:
6,16
